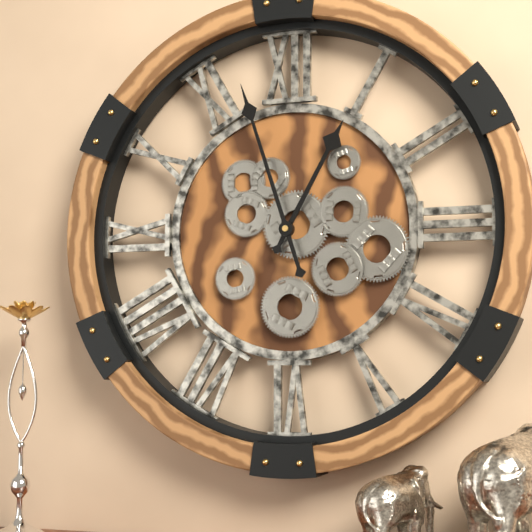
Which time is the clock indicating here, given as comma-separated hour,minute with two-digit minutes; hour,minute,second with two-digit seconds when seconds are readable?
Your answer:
12,57
